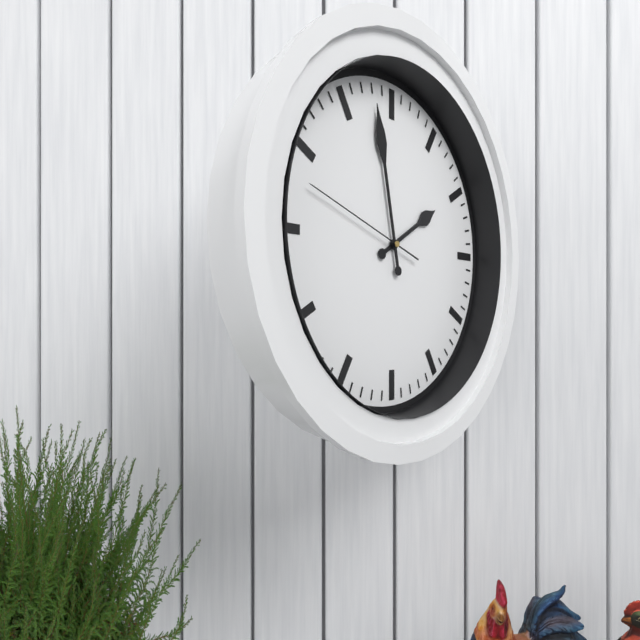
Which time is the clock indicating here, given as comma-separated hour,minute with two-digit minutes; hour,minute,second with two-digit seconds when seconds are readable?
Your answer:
1,58,48
